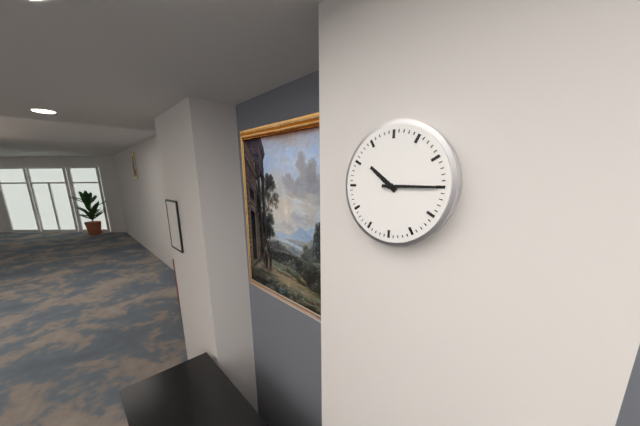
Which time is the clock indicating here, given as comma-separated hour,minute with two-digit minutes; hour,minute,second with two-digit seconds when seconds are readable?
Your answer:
10,15
